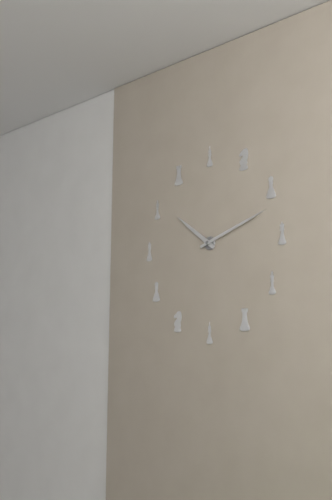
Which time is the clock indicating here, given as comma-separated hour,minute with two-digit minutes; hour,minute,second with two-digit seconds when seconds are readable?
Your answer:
10,12
